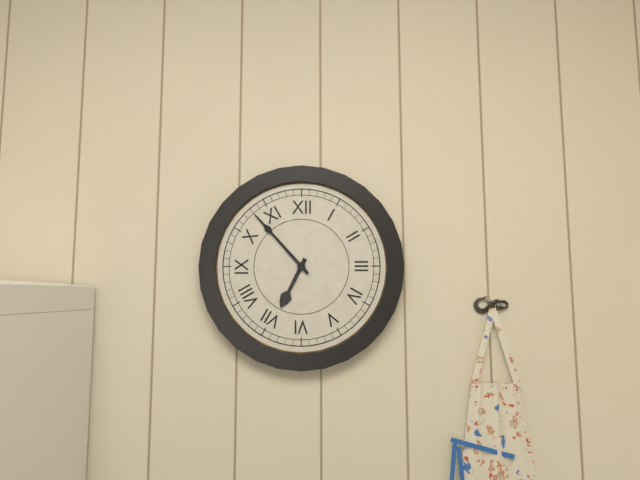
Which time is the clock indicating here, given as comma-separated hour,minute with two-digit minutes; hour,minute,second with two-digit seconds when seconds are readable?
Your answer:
6,53
